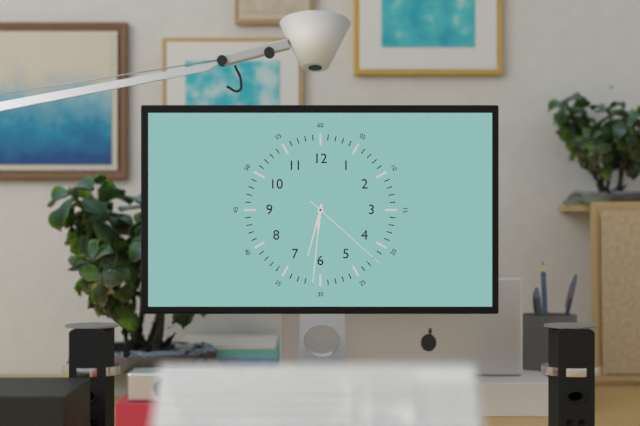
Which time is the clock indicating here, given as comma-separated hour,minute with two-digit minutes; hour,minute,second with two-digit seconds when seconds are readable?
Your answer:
6,31,22
